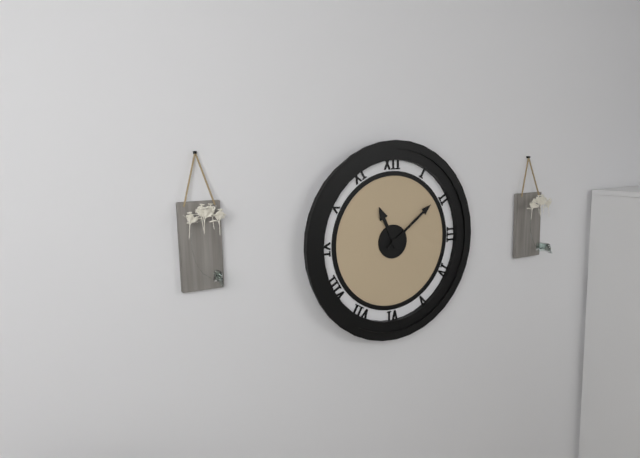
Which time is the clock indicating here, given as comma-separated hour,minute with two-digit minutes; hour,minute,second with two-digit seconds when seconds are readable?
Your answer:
11,09
